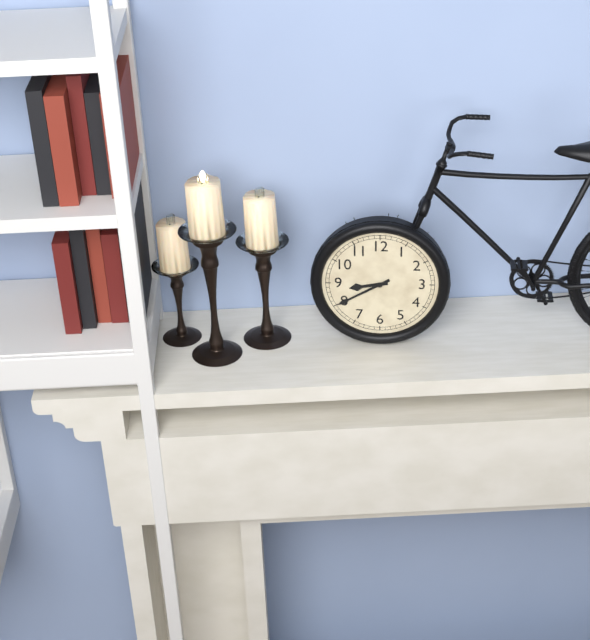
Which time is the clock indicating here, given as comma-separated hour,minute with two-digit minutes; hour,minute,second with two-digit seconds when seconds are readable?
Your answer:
8,40
